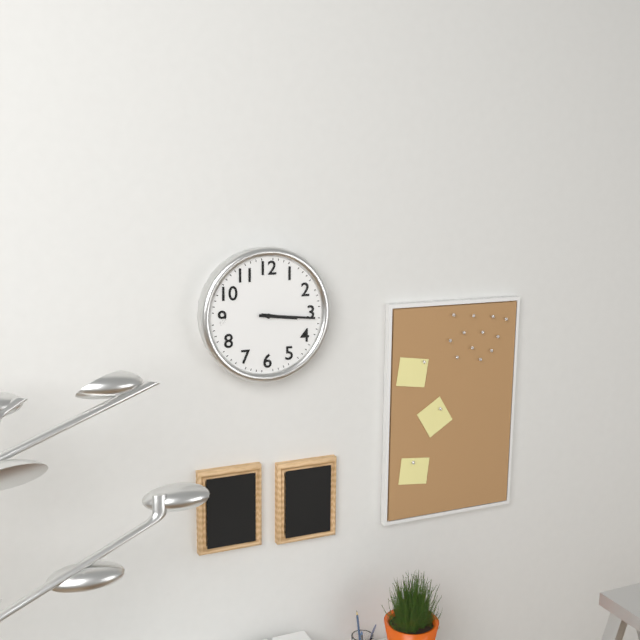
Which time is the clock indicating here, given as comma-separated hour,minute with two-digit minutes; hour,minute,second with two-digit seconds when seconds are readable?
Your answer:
3,16
